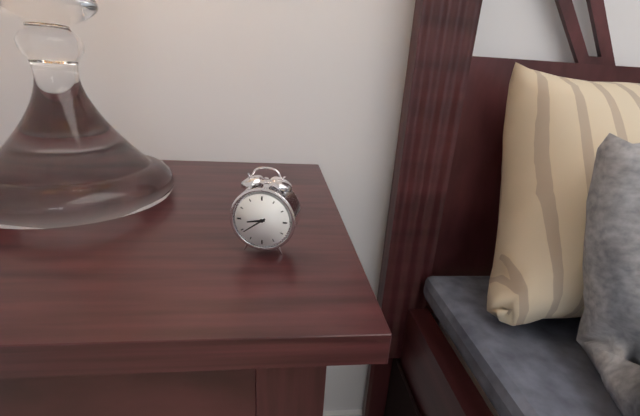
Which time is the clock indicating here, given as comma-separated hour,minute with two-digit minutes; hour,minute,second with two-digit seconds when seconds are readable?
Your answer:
8,39
